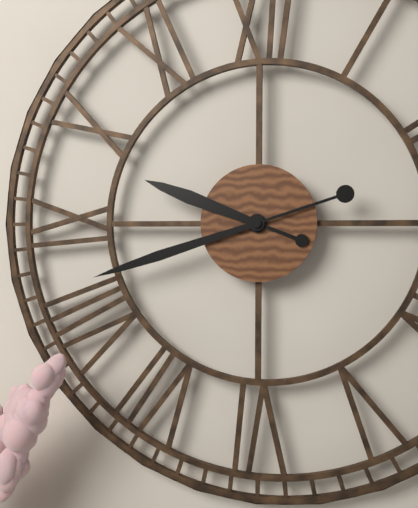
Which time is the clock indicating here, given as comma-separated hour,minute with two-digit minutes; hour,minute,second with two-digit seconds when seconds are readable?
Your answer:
9,42
